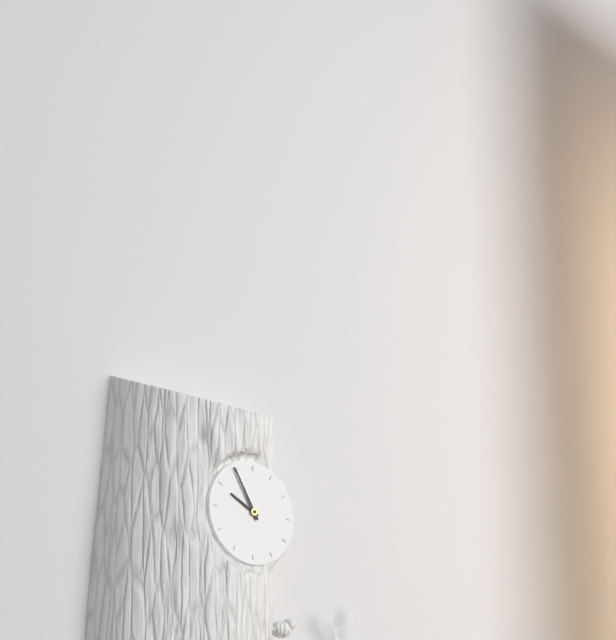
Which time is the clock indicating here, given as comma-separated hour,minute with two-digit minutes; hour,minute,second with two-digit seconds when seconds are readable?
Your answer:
9,55
